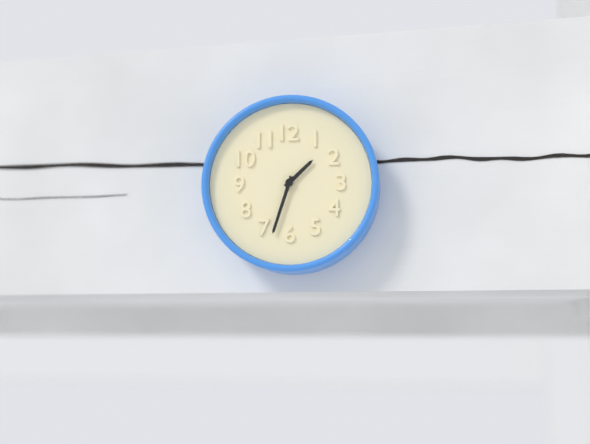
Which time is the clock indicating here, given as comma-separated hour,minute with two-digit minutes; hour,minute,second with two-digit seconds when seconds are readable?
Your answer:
1,33
